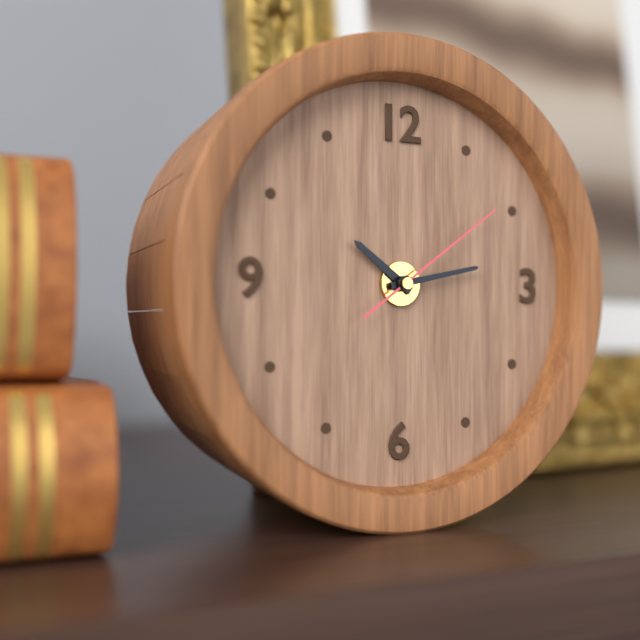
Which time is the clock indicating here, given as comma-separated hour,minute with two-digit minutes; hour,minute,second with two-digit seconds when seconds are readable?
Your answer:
10,13,09
